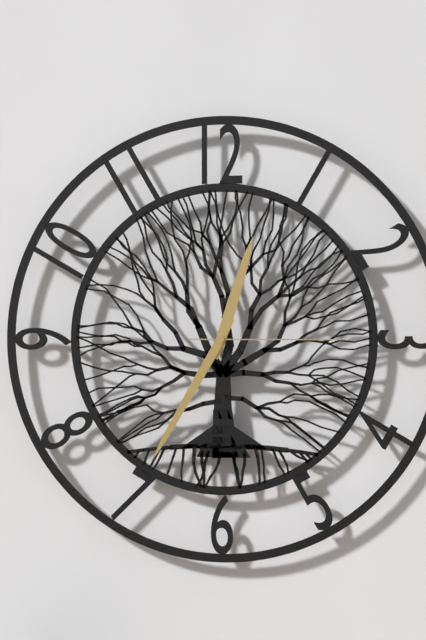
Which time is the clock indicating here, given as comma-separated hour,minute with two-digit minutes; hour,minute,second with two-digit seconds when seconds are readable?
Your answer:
12,35,15
